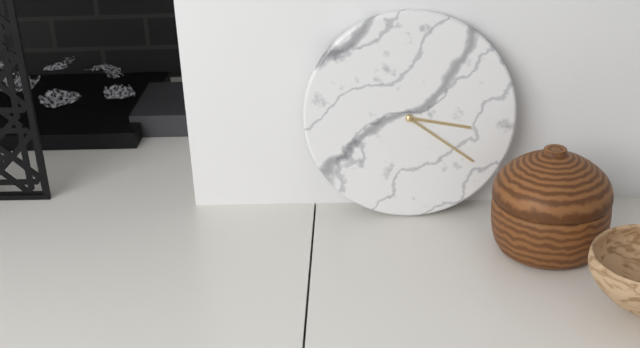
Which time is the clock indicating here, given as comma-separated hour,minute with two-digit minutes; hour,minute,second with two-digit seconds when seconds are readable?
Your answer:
3,21
